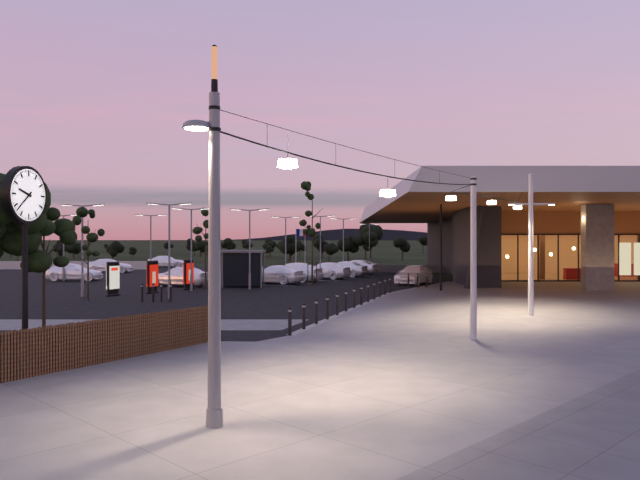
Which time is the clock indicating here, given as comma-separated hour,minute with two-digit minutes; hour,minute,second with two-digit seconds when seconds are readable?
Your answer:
9,38
